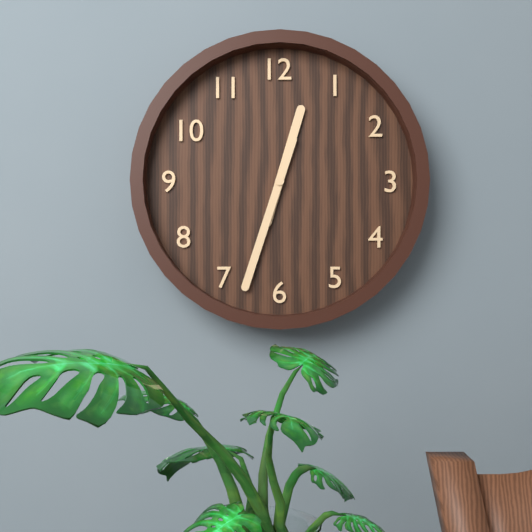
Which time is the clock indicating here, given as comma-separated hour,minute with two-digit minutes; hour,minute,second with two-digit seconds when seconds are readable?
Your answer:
12,33
